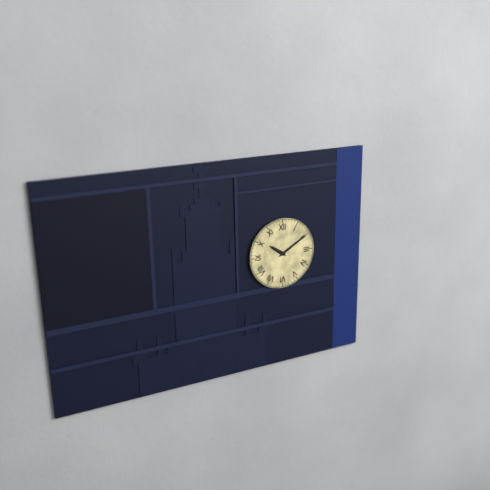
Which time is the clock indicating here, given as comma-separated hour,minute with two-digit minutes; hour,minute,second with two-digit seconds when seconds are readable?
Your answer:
10,10
